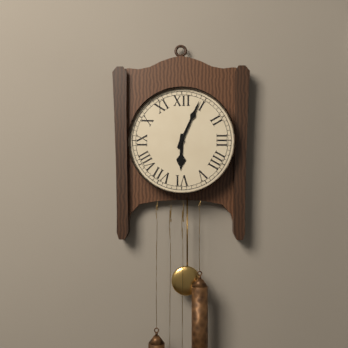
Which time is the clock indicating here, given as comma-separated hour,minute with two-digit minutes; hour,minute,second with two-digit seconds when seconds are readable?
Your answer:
6,04
